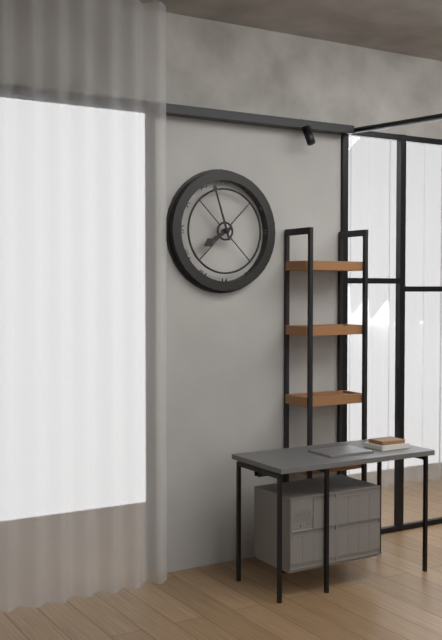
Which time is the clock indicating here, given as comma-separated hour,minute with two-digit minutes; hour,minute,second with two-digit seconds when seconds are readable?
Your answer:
7,57
